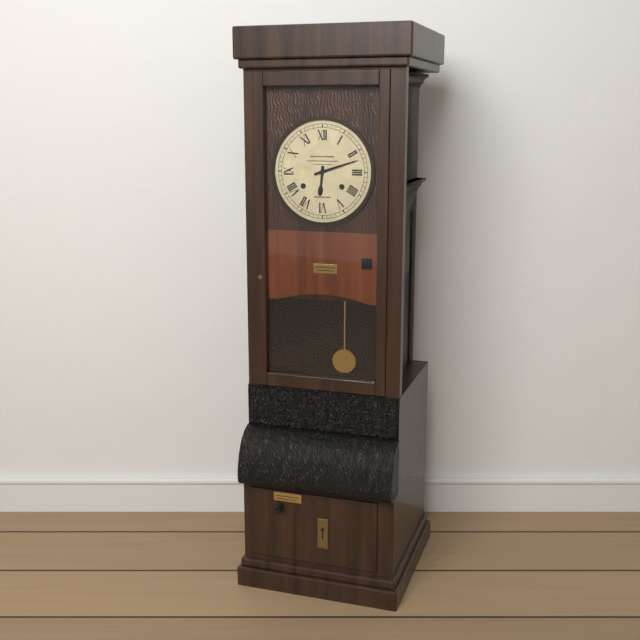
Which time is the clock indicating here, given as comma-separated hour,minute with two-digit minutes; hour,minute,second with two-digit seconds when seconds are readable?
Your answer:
6,12
